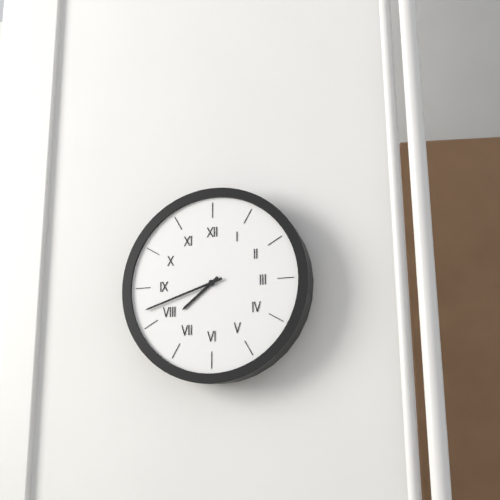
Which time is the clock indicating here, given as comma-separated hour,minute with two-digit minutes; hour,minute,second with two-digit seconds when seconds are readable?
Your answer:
7,42
